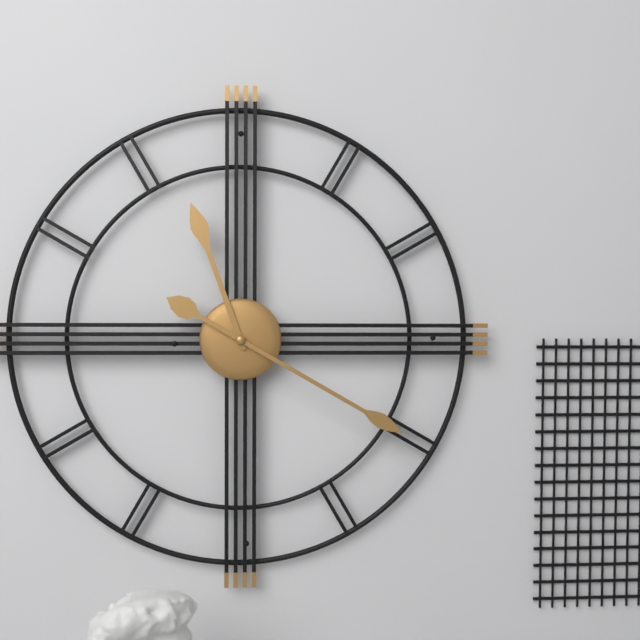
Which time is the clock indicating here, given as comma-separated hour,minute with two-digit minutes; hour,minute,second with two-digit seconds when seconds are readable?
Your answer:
11,20
